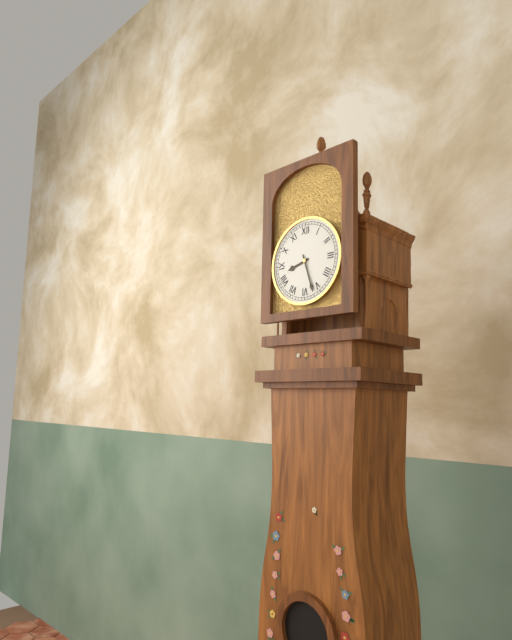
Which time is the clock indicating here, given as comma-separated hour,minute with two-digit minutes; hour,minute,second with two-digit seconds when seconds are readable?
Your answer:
8,27
